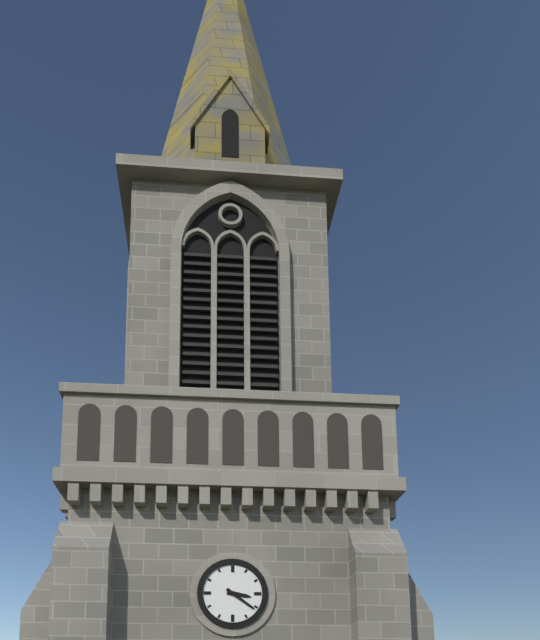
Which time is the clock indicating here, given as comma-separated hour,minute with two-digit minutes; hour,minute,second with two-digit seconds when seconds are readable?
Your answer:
3,21
